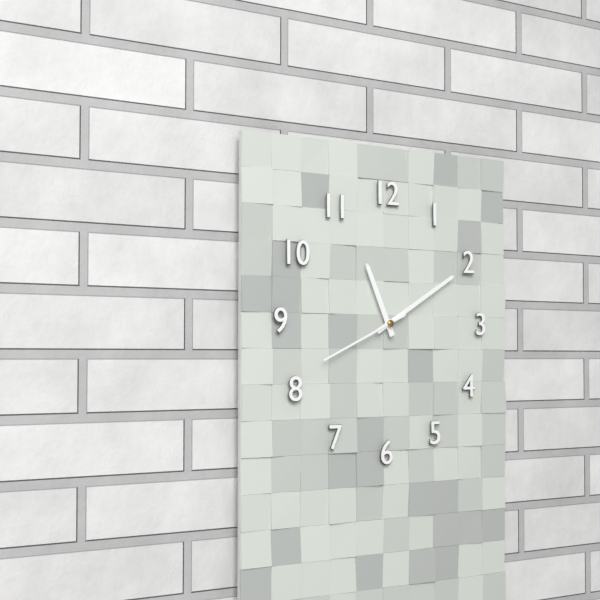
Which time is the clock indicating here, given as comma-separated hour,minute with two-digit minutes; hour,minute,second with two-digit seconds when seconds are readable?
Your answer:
11,10,41
